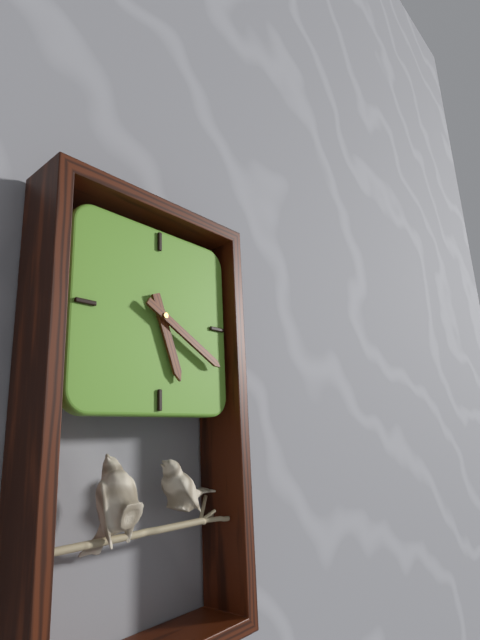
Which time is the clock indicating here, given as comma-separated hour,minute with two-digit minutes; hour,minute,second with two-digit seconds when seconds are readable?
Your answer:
5,20
